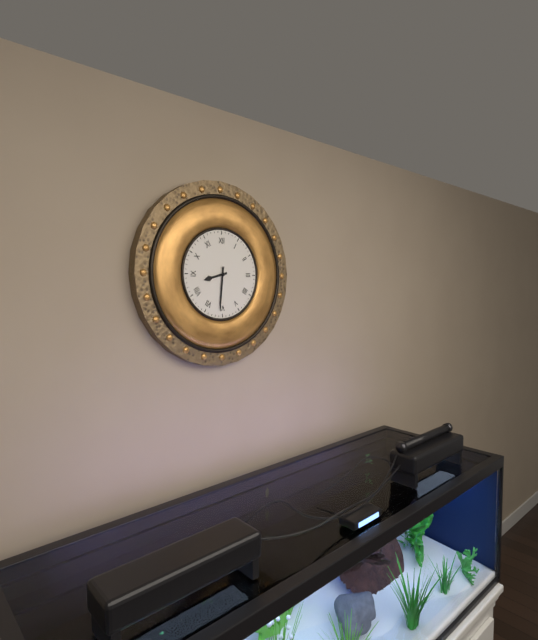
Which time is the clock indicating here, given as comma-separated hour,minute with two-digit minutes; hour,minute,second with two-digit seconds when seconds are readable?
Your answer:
8,31
